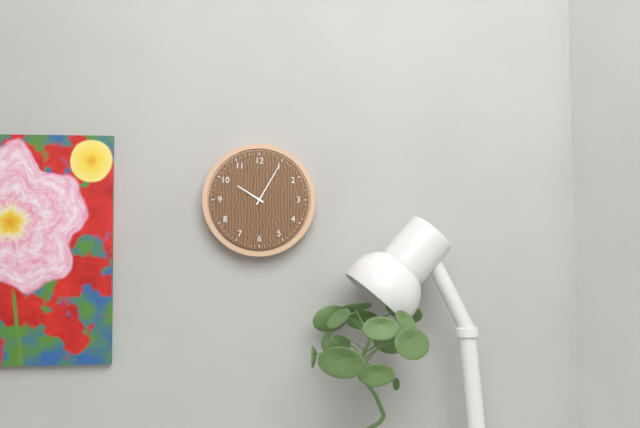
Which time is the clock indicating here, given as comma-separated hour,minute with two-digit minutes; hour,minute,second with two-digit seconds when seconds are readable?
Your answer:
10,05
